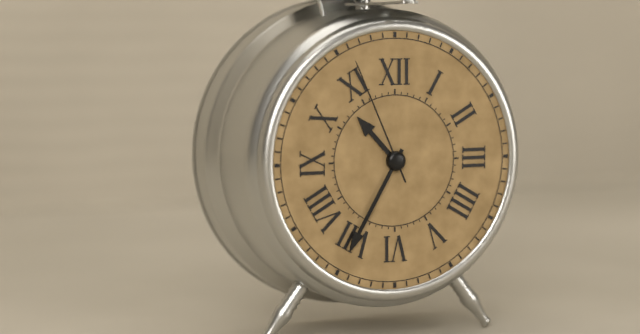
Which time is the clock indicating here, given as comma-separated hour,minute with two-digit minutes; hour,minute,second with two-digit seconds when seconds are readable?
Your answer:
10,35,56
